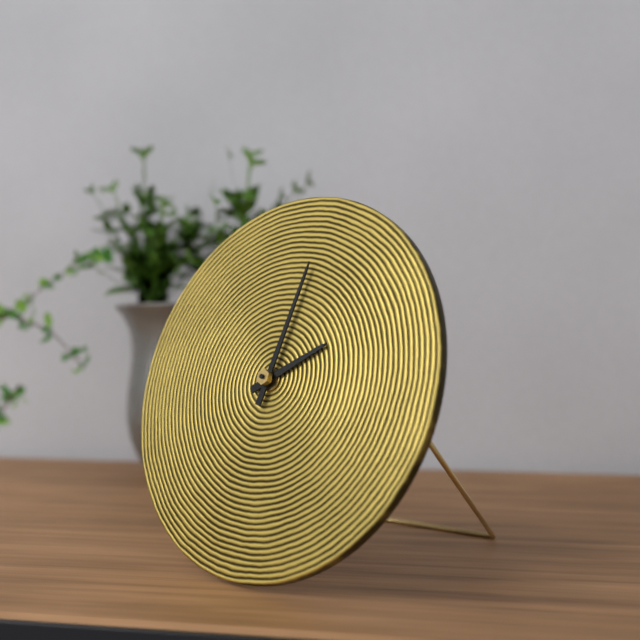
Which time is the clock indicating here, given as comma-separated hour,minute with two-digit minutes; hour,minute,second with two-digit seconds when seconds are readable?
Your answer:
2,02
